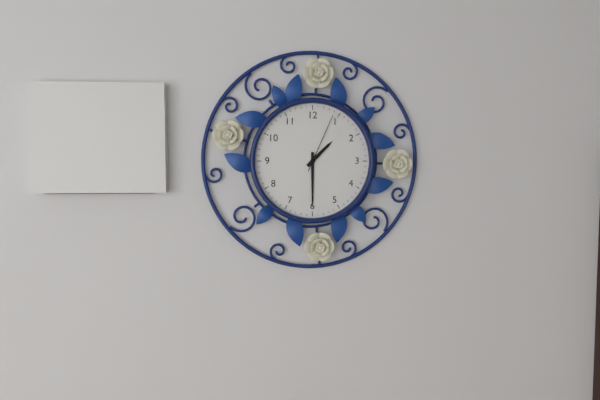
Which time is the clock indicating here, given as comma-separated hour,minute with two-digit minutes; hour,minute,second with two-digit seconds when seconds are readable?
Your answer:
1,30,04
